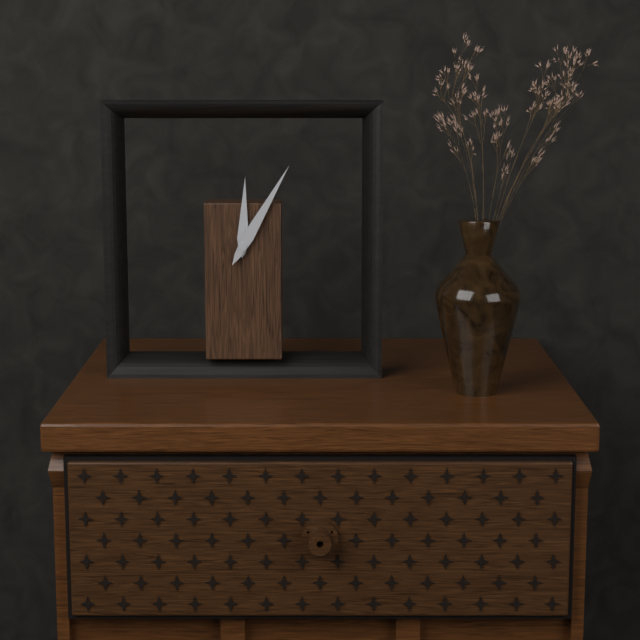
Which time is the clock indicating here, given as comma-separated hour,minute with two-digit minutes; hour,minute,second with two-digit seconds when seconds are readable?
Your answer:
12,05
